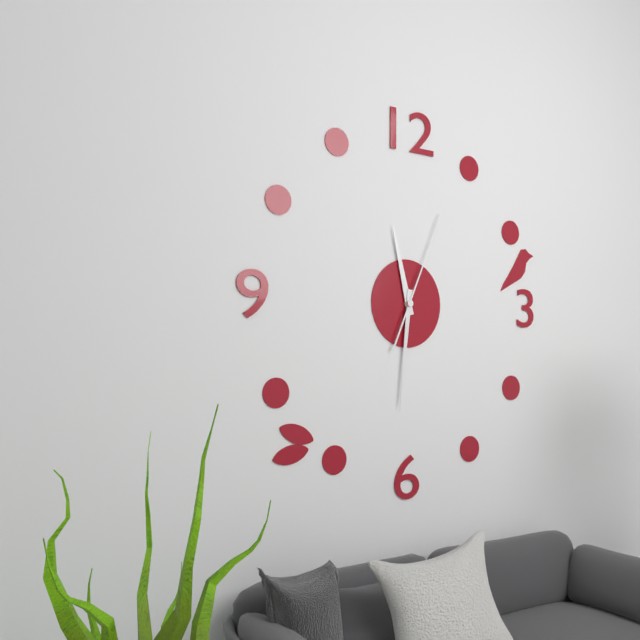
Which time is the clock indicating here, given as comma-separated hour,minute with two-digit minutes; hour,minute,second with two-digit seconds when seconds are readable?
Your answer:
11,31,04
